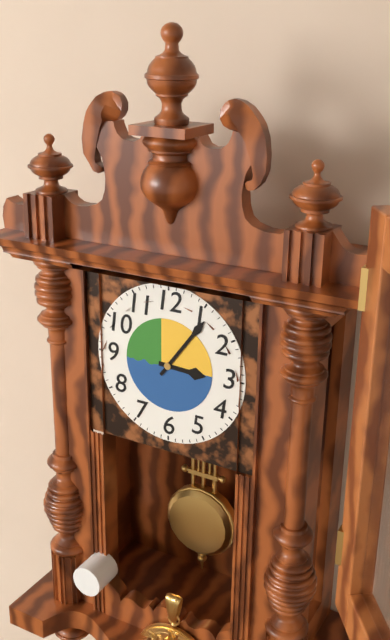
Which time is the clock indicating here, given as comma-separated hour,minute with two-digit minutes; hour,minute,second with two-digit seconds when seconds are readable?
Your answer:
3,06
